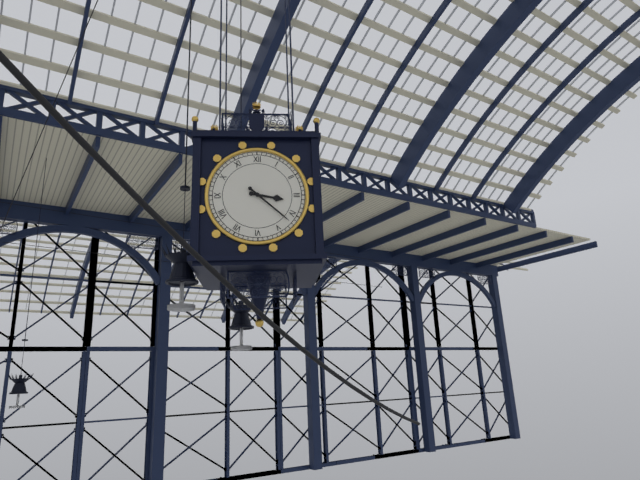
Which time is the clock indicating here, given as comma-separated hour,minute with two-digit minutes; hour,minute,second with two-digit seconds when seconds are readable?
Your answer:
3,22
